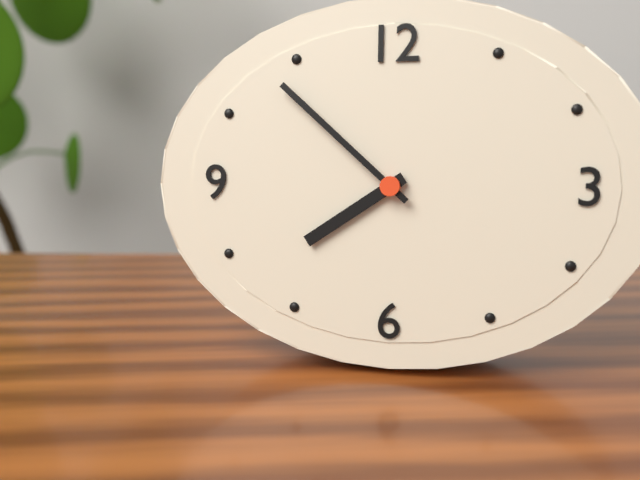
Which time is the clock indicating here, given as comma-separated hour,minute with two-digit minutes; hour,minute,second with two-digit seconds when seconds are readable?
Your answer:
7,52
